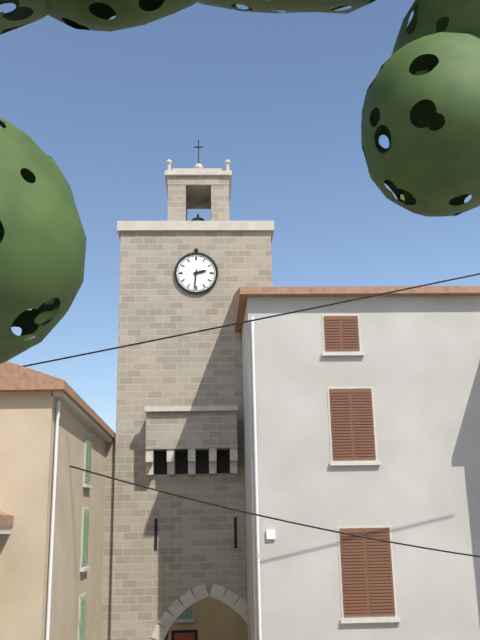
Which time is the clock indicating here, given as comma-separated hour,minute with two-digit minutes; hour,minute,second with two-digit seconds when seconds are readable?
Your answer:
2,31
